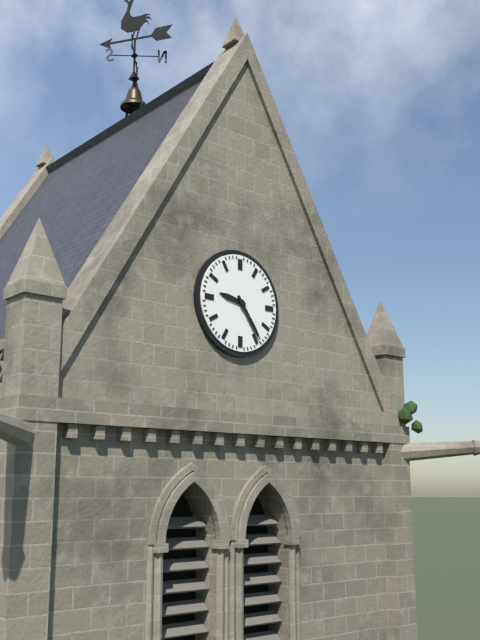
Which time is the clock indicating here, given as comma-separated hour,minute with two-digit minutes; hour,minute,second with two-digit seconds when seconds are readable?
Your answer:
9,24
